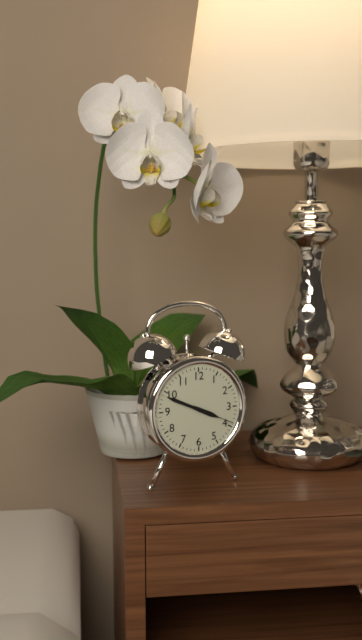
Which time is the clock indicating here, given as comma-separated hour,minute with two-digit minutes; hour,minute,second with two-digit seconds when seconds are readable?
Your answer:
3,49
